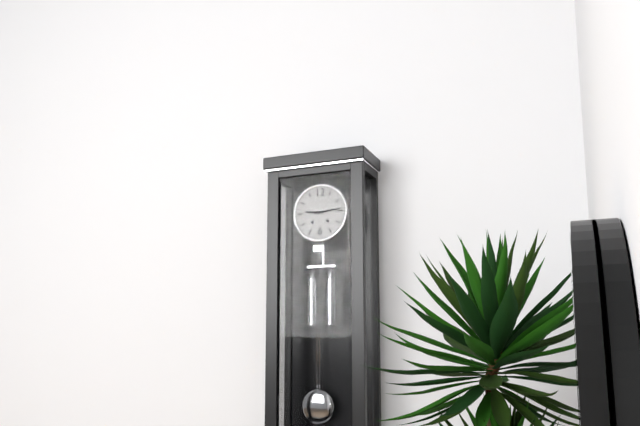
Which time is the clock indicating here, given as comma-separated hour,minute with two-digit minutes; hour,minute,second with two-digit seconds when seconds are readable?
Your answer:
9,14
